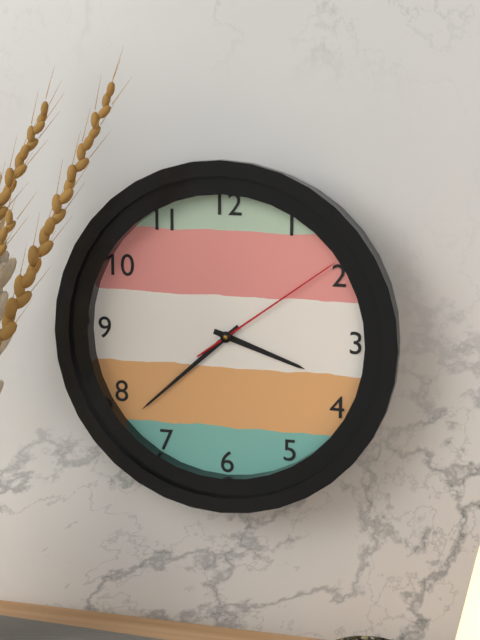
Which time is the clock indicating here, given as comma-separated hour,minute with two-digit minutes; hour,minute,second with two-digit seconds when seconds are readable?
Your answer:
3,38,09
